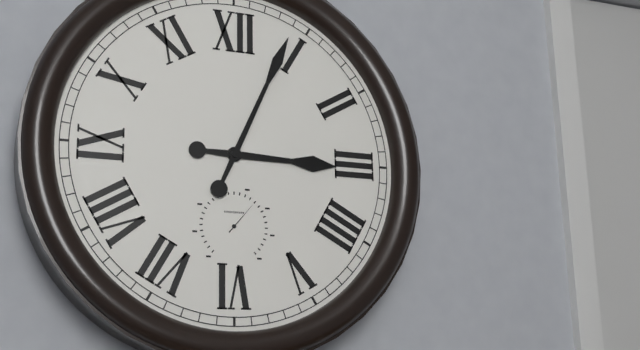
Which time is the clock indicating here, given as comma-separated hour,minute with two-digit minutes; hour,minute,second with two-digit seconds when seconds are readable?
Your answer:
3,04
